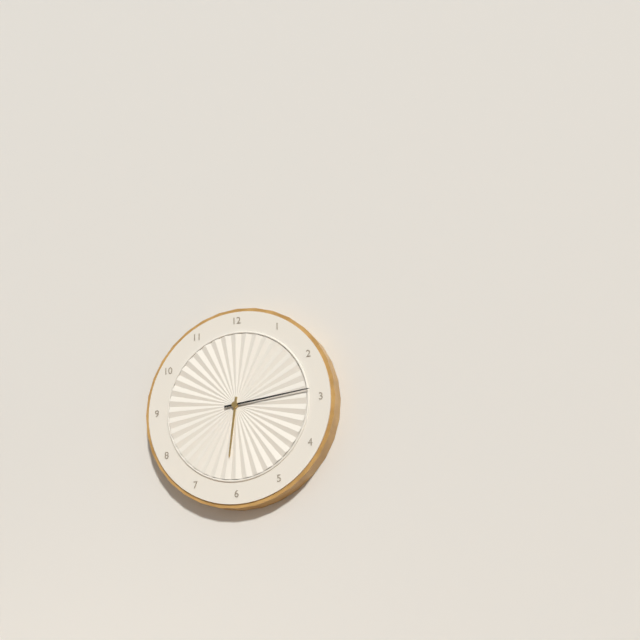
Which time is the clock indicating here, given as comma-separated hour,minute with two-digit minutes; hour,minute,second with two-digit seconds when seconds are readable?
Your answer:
6,14
